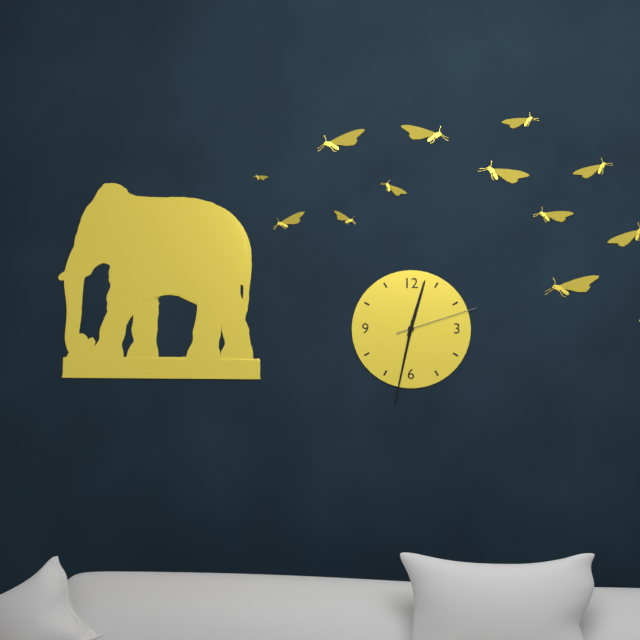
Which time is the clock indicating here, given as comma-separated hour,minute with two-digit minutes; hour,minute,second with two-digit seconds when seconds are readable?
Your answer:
12,32,12
